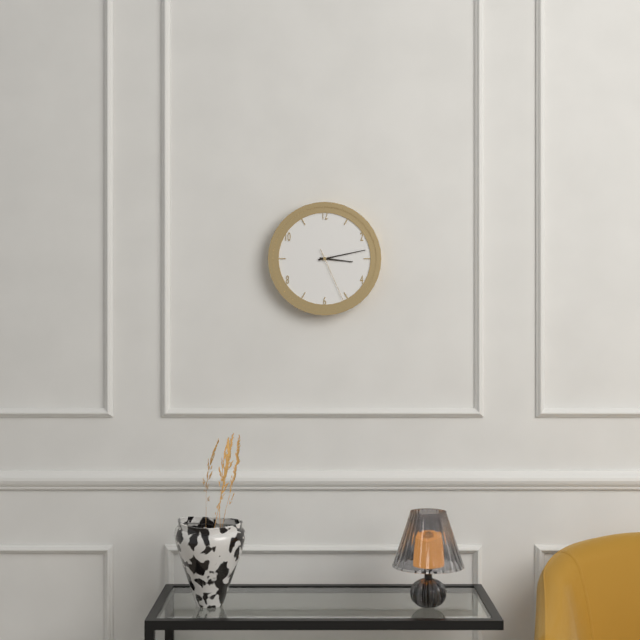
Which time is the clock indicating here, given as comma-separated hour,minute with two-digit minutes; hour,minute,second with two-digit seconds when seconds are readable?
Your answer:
3,13,26
